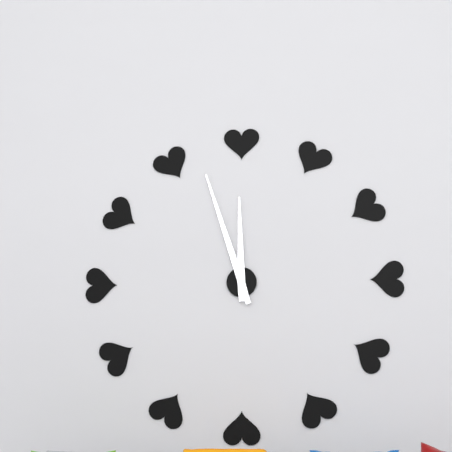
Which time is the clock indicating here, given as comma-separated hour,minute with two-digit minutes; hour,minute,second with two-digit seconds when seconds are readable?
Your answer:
11,57
